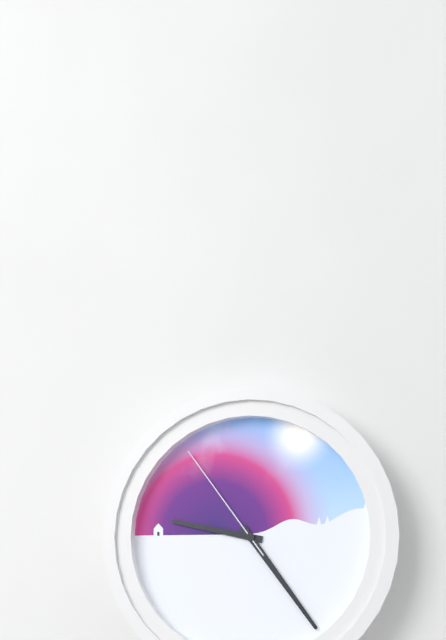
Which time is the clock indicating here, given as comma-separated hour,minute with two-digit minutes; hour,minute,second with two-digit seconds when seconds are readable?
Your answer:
9,24,54
